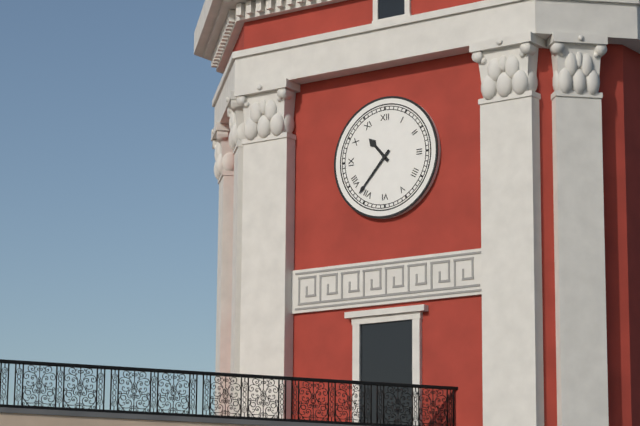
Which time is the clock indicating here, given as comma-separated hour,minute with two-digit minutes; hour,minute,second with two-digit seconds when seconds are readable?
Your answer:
10,37
